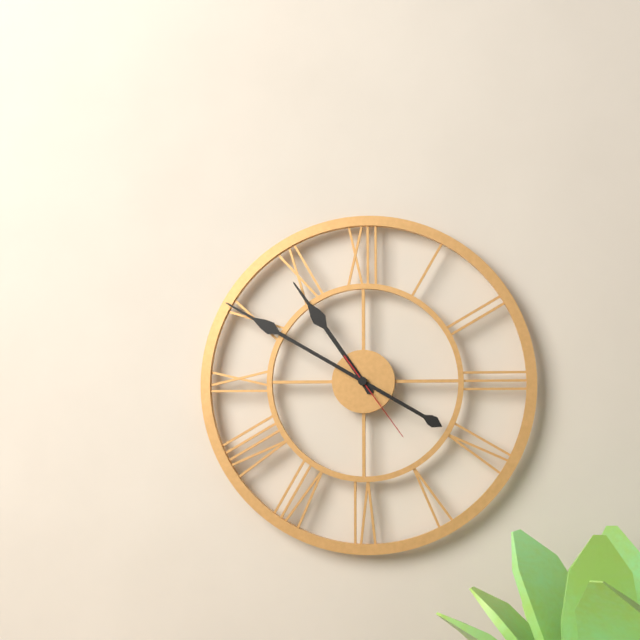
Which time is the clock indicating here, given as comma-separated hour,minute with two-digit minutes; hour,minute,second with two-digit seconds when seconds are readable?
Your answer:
10,50,24
